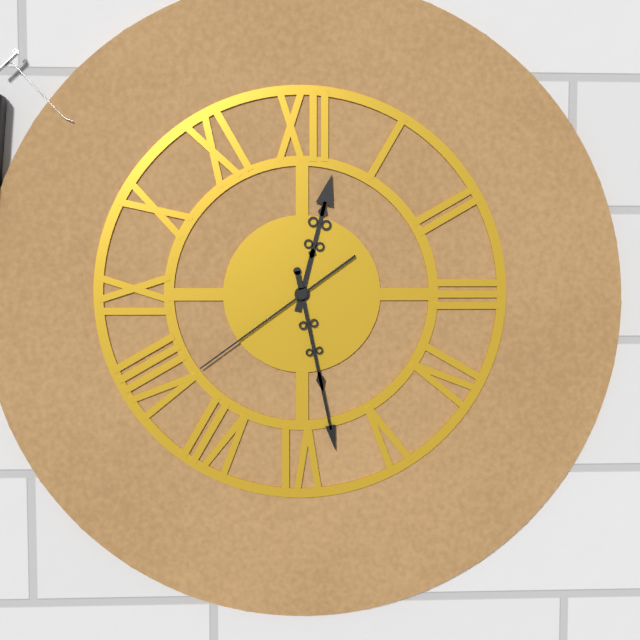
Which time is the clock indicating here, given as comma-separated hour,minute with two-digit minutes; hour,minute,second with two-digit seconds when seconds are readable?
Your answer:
12,28,39
